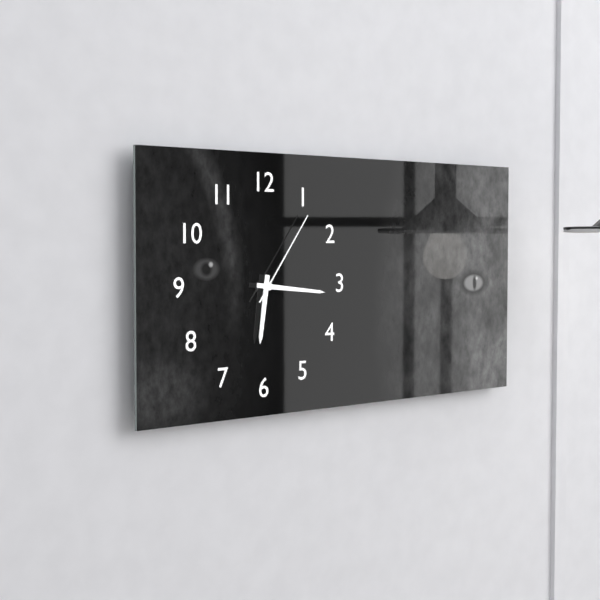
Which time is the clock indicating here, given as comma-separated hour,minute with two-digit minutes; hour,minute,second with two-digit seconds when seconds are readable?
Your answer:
6,16,06
